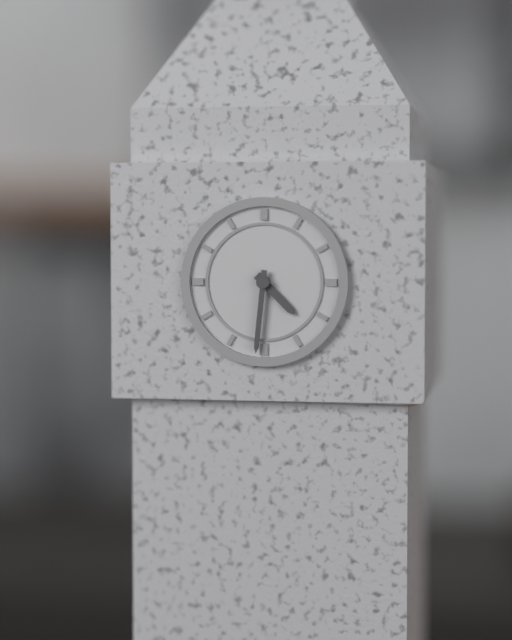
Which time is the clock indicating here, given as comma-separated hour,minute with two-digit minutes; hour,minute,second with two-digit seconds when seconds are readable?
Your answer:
4,31
